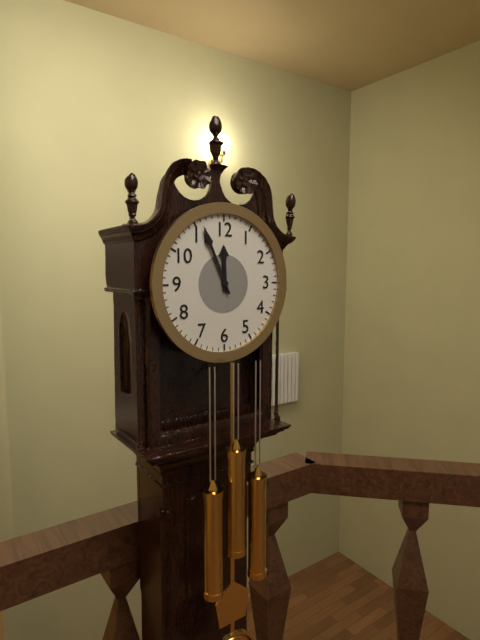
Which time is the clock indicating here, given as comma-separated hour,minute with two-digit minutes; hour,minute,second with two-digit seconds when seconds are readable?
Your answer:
11,56
